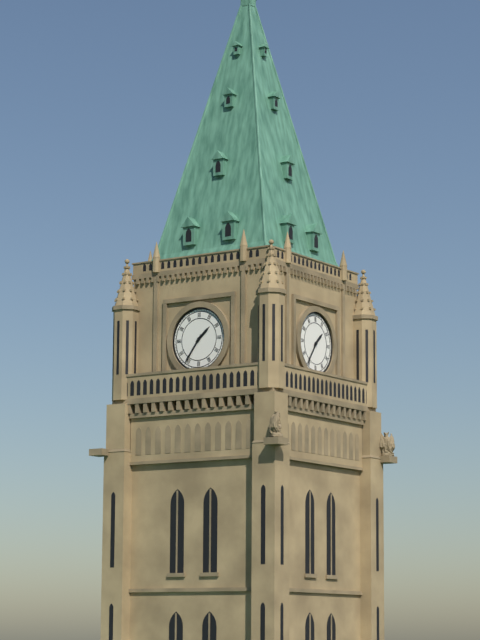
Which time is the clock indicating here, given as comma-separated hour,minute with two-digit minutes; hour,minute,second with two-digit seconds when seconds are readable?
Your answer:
1,36
